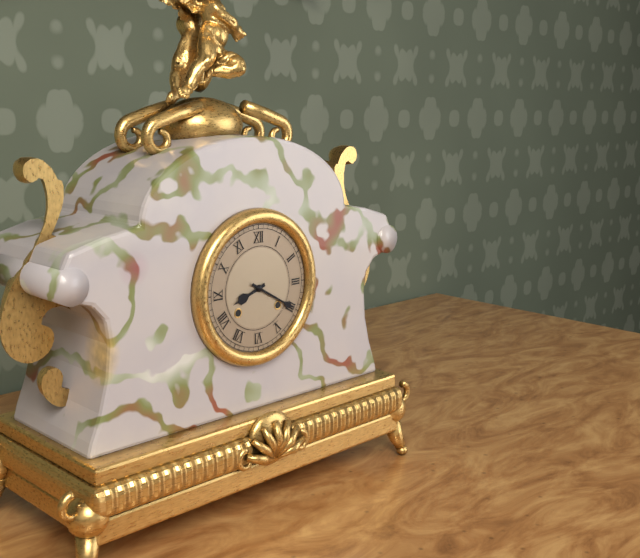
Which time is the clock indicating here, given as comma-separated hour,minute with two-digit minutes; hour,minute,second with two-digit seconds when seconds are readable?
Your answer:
8,20
